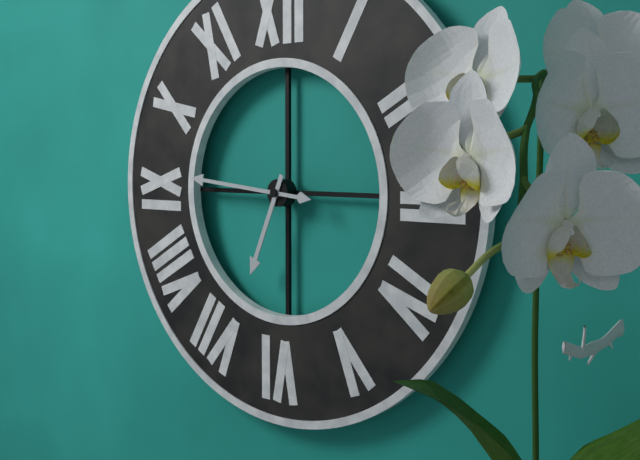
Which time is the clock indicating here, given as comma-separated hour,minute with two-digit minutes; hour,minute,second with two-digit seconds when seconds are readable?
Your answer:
6,46
